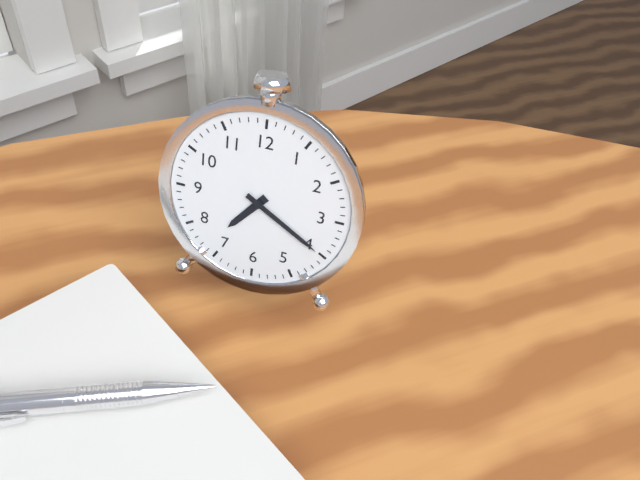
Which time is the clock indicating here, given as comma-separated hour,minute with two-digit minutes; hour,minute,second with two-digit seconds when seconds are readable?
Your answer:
7,20
